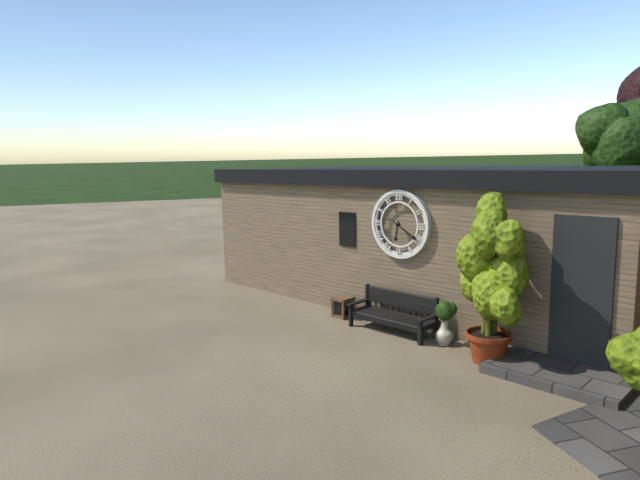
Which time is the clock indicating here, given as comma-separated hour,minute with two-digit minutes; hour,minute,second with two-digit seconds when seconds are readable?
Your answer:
6,20
